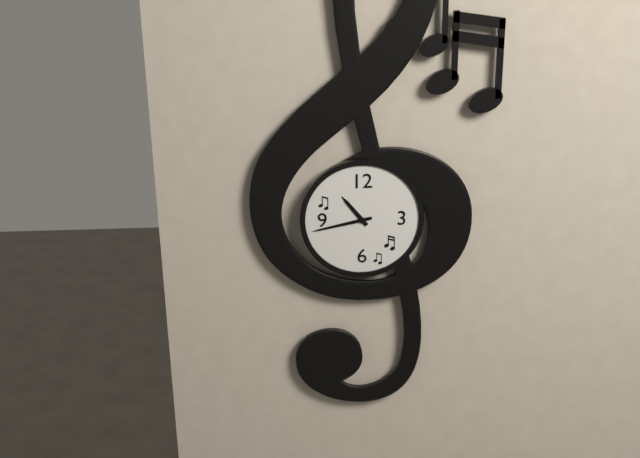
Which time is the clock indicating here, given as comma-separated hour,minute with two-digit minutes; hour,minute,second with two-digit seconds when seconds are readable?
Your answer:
10,43
